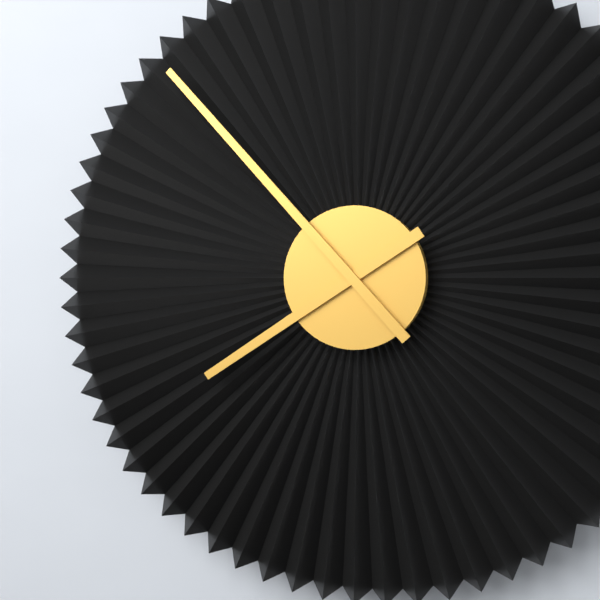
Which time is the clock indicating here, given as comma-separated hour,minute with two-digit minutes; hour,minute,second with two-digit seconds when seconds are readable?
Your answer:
7,53
